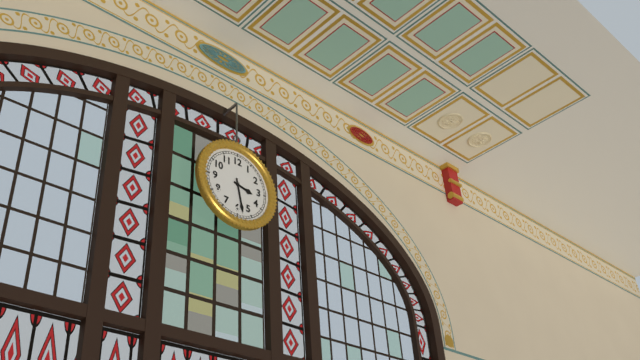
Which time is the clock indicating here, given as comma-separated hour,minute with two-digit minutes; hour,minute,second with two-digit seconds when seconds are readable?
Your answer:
3,28
